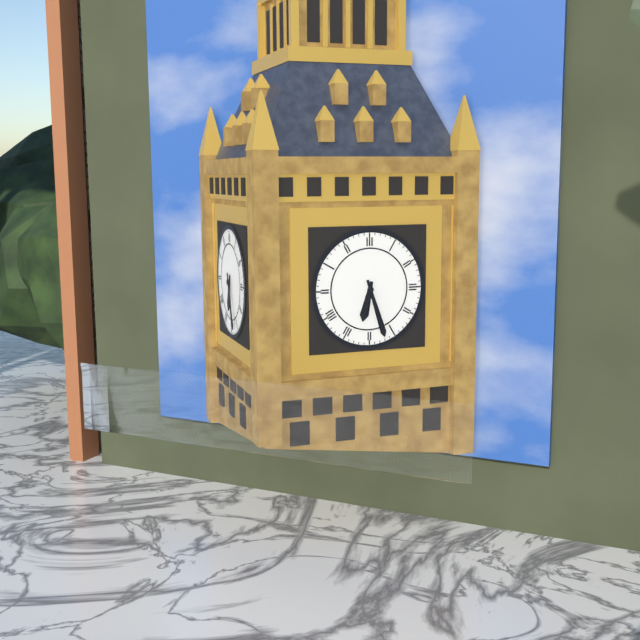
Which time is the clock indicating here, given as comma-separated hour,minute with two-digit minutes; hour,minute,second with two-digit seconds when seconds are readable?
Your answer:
6,27
